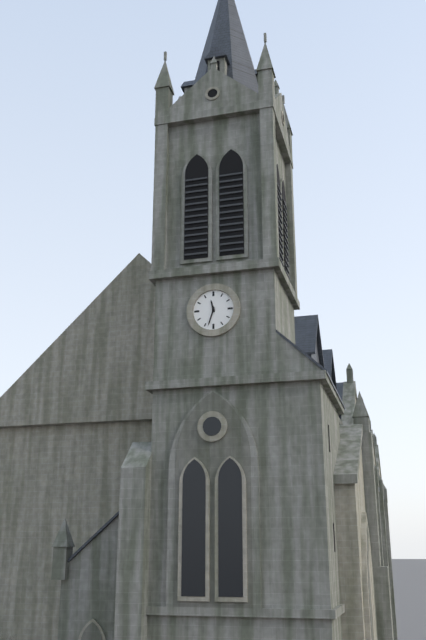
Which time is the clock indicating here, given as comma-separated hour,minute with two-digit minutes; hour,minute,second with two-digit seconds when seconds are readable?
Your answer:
11,33
